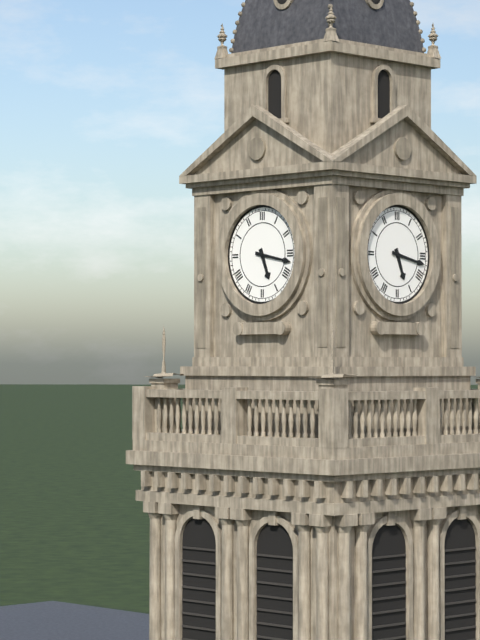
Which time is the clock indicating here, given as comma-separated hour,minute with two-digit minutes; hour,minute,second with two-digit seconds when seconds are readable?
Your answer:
5,17
